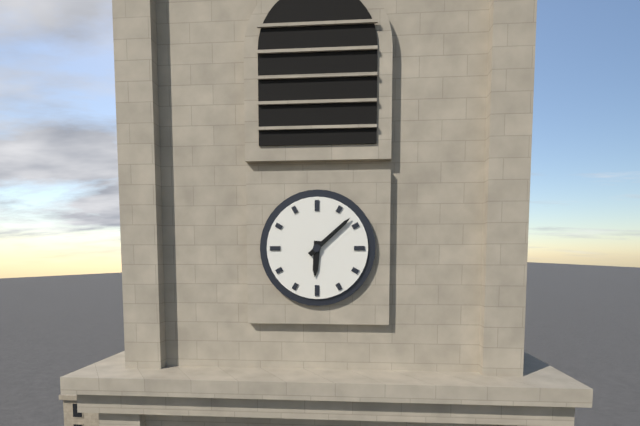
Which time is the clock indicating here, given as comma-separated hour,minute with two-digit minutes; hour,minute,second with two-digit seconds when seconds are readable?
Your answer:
6,08
